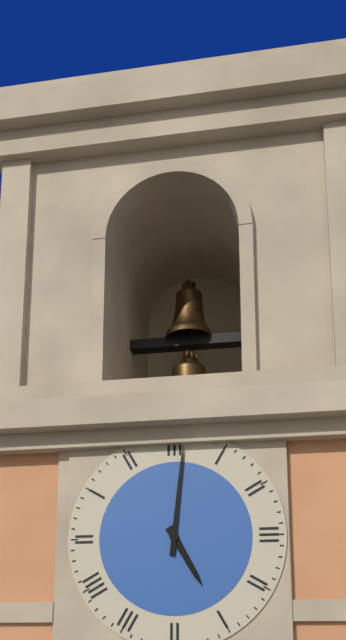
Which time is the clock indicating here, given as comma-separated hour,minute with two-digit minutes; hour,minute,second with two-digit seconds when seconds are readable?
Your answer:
5,01
